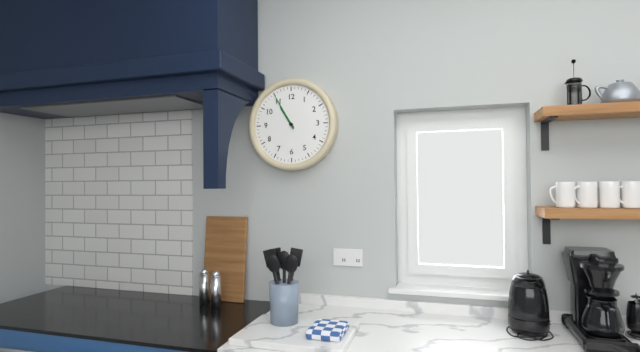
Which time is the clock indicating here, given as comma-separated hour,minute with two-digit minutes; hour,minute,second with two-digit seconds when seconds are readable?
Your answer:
10,55
